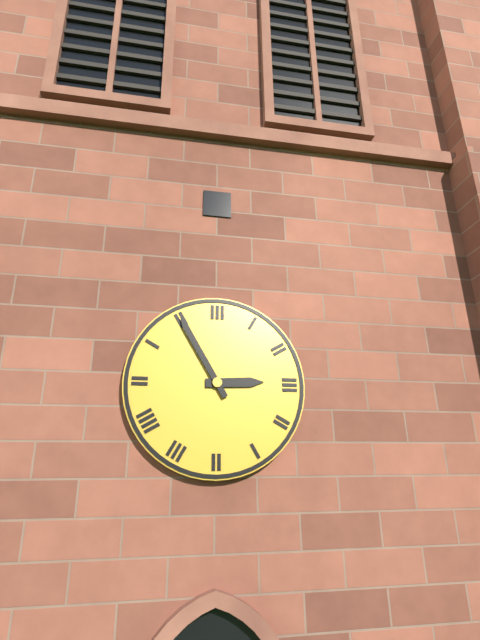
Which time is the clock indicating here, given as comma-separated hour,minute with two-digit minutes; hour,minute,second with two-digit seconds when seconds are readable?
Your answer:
2,55
